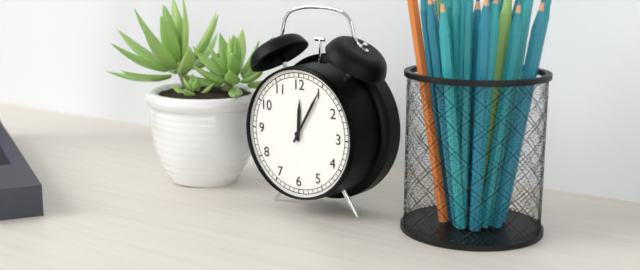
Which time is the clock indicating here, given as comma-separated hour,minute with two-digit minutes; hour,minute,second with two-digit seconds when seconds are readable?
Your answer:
12,05
